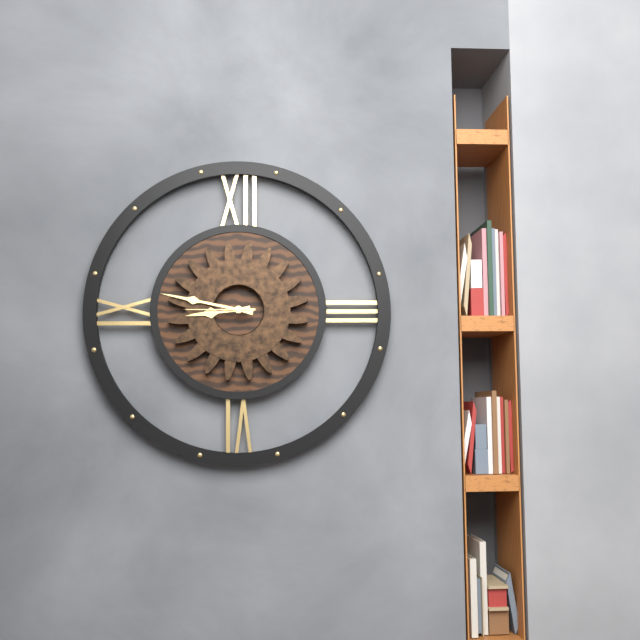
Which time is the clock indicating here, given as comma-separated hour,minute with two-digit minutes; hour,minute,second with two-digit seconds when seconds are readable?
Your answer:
8,47,45
